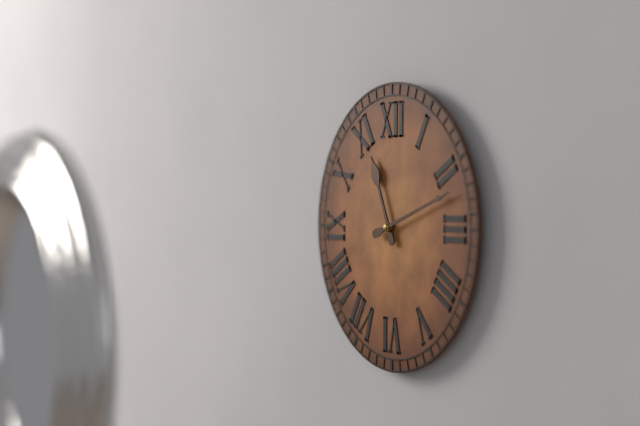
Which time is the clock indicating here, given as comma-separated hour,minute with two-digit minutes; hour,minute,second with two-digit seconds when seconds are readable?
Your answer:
11,12
